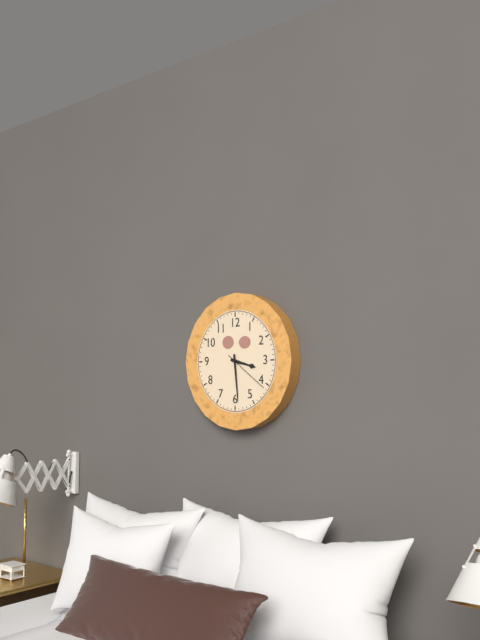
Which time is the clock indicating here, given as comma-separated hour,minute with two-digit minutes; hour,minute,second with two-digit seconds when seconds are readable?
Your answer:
3,29
